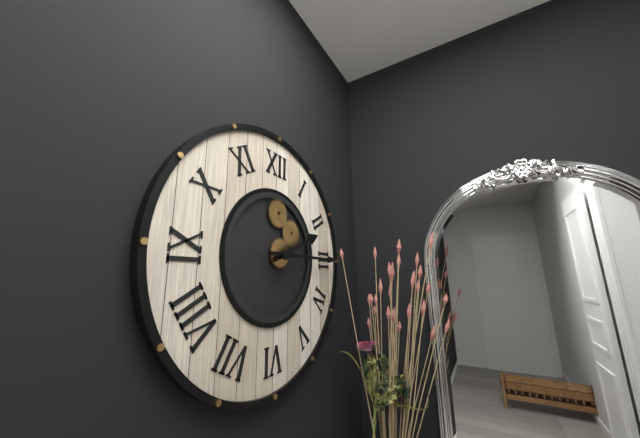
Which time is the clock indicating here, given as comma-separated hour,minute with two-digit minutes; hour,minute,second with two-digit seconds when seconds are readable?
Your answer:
2,15
